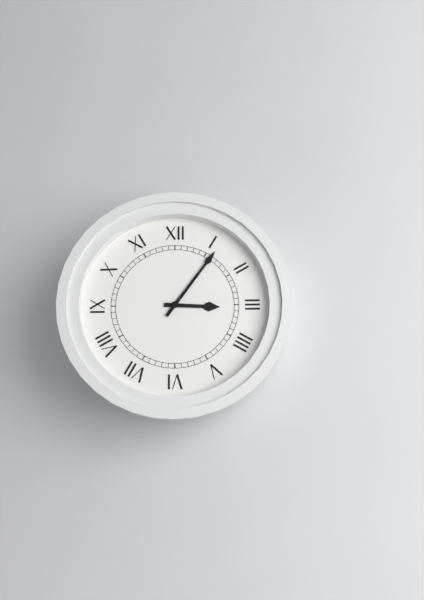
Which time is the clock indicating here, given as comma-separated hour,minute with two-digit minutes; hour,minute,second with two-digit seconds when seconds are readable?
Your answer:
3,06
